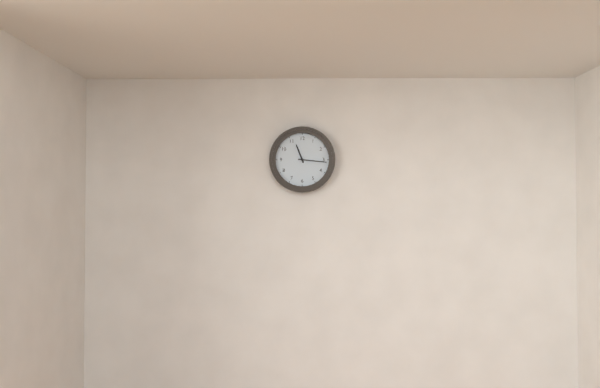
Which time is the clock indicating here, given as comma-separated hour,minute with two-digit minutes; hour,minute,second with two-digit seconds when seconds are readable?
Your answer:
11,16
